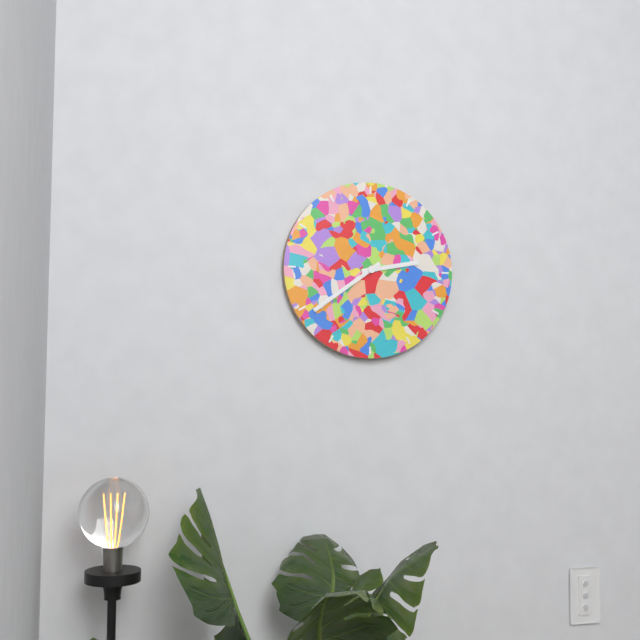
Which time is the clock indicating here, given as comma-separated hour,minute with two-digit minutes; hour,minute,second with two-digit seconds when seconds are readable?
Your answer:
2,39
